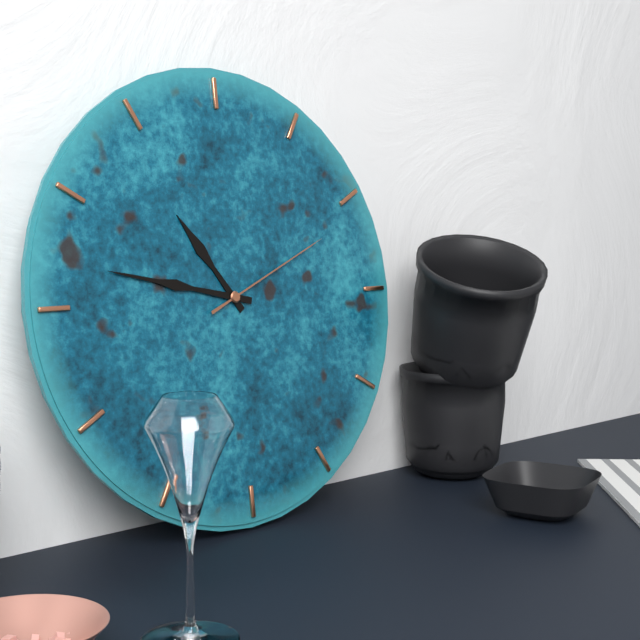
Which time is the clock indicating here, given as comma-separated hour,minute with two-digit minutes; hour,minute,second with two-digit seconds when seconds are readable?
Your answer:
10,47,11
